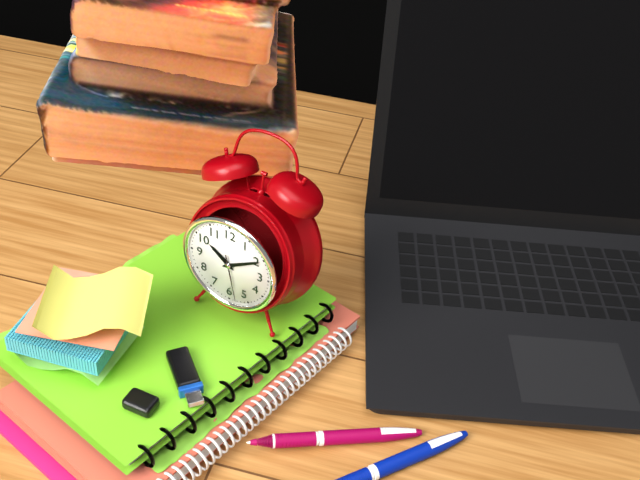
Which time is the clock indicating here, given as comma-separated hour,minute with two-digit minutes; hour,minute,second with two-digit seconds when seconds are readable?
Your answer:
10,10
